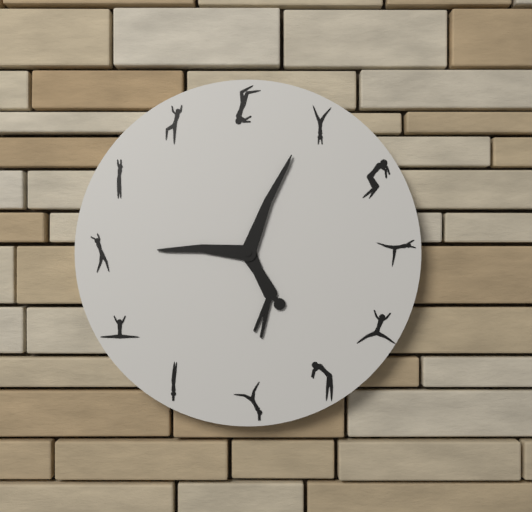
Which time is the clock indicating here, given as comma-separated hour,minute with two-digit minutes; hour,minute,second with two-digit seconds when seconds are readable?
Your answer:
9,04
